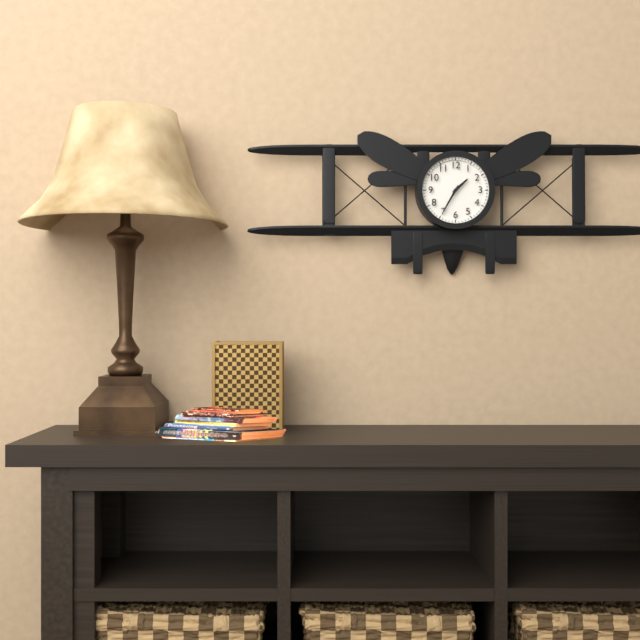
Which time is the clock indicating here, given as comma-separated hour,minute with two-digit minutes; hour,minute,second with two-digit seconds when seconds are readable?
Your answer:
1,35
